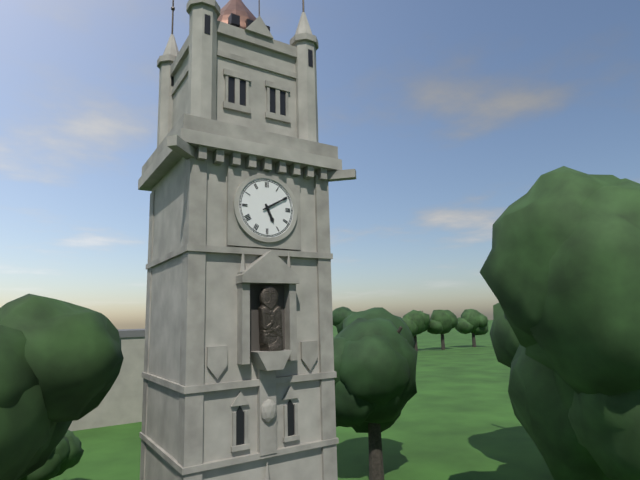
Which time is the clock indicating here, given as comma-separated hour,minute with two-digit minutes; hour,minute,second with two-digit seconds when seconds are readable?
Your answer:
5,10
